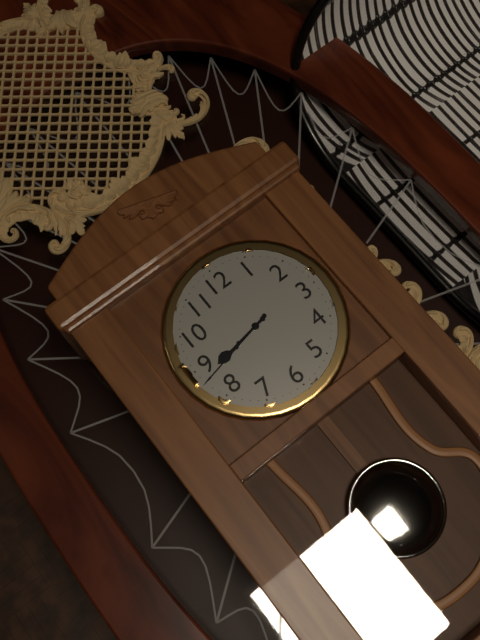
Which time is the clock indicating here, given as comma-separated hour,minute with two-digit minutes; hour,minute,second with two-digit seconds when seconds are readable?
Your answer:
8,43
